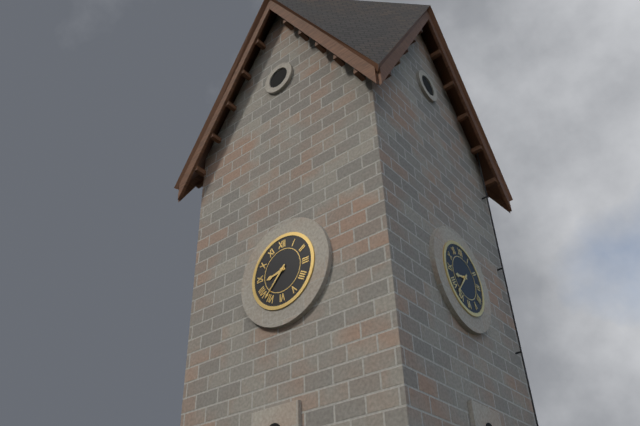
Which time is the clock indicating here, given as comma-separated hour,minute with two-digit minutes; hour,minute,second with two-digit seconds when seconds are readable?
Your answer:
8,37
